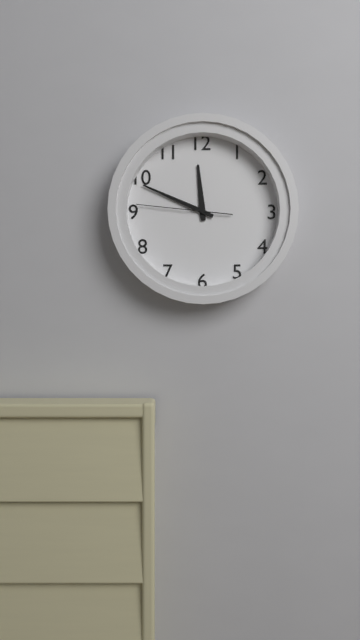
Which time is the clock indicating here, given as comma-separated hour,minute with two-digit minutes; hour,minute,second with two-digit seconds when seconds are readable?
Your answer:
11,49,46
